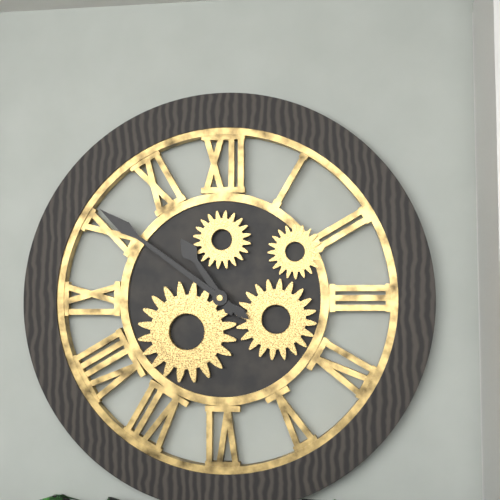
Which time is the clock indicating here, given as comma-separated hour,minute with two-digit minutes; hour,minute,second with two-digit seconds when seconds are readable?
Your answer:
10,51
